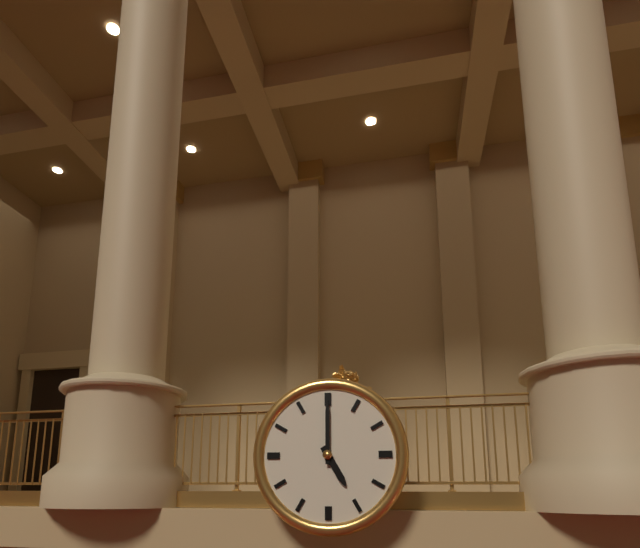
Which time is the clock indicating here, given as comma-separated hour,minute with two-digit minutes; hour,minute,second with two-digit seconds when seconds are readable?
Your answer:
5,00
